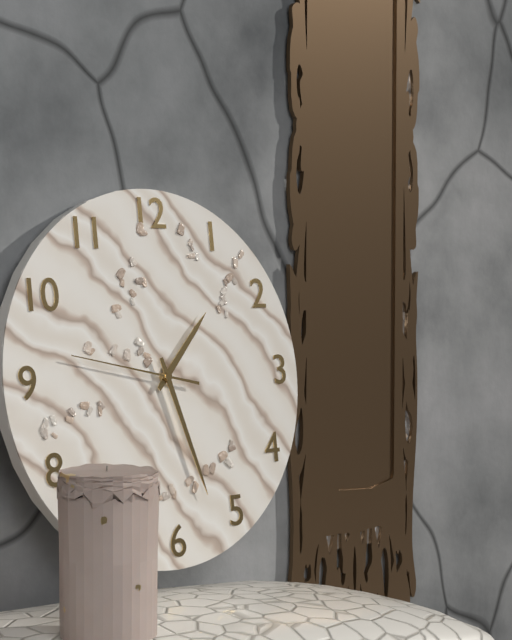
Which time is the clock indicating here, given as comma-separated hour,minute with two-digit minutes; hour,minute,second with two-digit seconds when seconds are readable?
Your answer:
1,27,47
